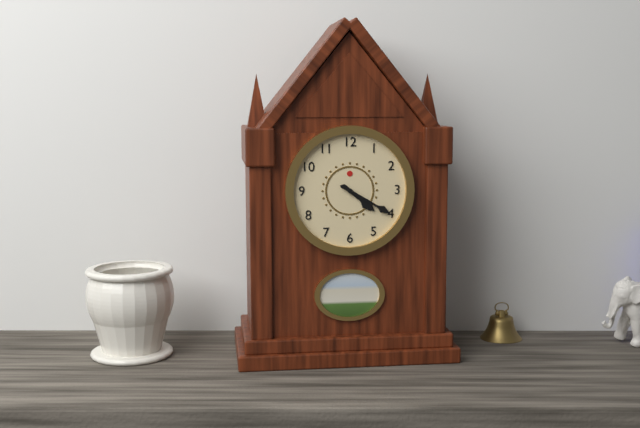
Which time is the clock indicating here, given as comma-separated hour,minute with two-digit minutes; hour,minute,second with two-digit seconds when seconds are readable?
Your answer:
4,20
